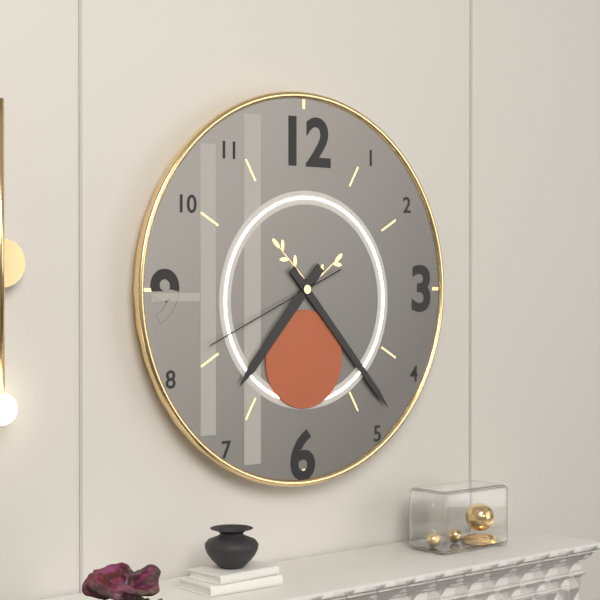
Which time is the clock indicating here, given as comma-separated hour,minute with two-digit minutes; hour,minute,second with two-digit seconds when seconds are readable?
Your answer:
7,23,41
